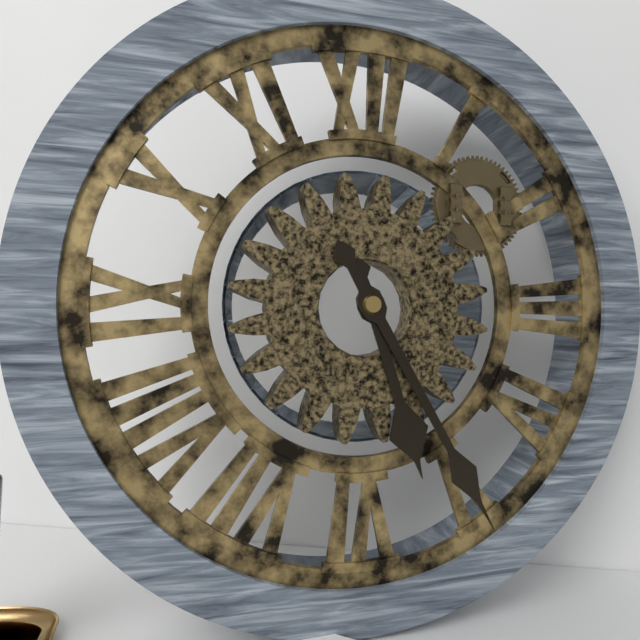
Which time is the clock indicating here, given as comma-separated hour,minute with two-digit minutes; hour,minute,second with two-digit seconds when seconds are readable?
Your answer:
5,25
